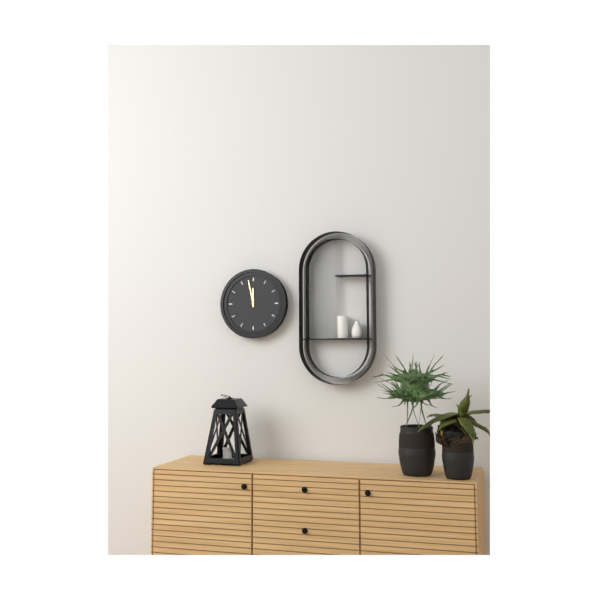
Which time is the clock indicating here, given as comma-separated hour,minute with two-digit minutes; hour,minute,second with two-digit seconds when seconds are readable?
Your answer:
11,58
